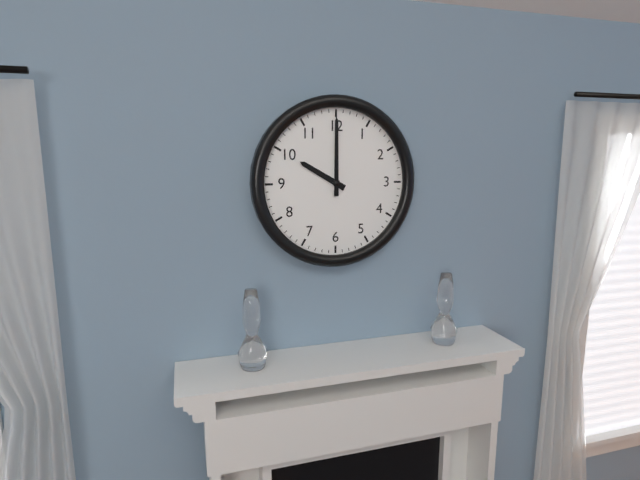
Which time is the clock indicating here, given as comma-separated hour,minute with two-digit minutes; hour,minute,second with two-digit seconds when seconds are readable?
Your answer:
10,00
